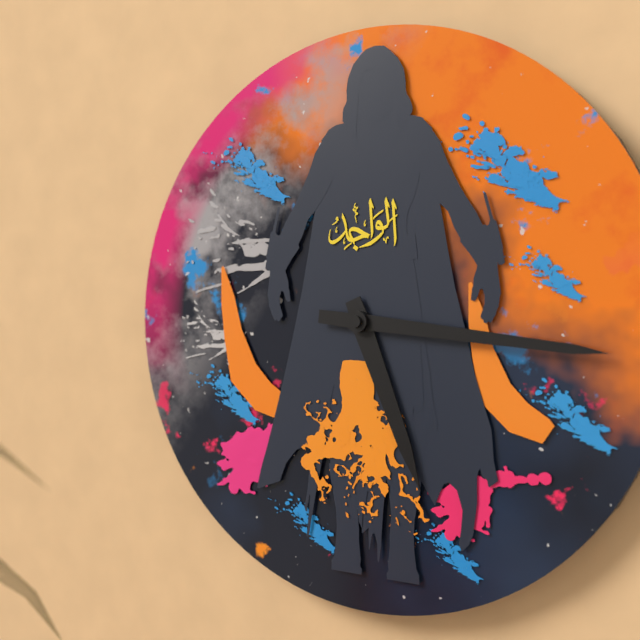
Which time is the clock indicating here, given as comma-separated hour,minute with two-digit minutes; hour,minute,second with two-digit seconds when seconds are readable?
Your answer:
5,16
